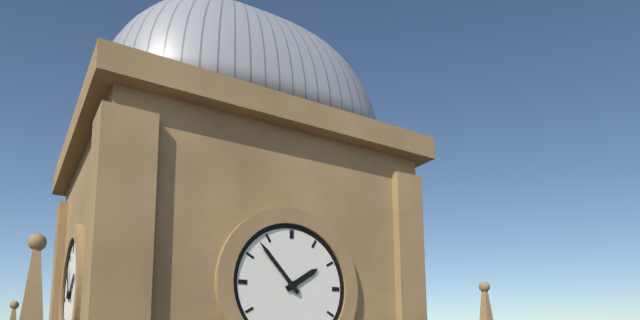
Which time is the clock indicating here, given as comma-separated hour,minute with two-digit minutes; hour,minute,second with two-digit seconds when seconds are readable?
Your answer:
1,53
